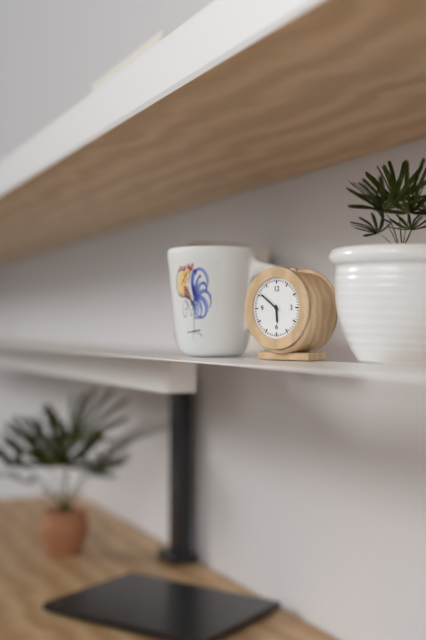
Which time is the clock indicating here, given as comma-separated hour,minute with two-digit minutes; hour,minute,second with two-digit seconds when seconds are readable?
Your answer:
5,51
